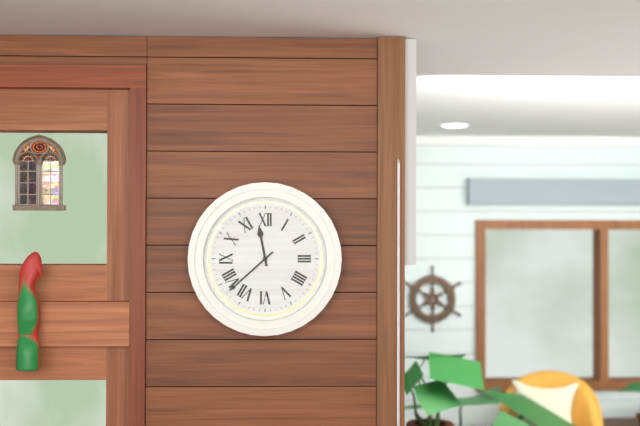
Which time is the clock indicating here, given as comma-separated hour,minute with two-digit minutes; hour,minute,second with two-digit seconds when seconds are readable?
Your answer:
11,38
